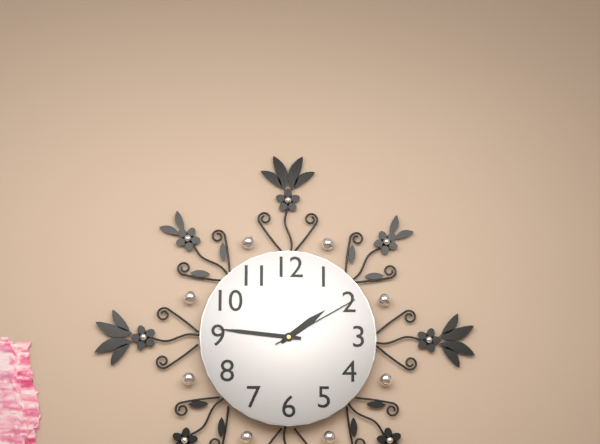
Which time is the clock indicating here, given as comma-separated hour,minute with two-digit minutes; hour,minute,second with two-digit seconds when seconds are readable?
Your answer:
1,46,10
